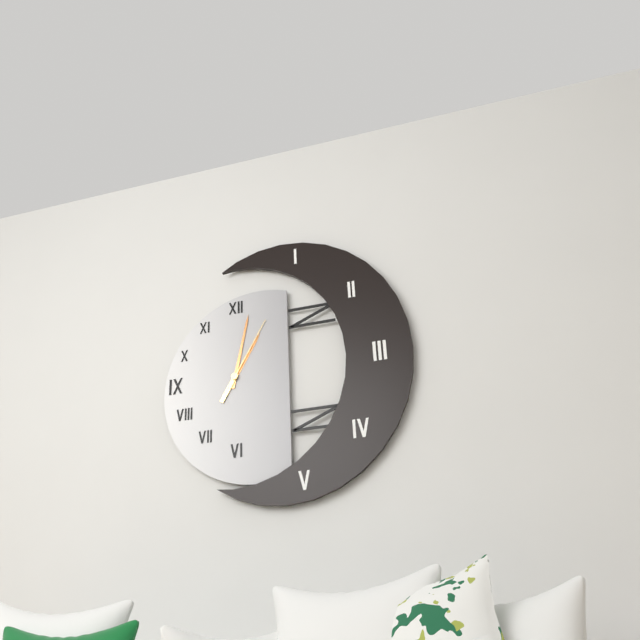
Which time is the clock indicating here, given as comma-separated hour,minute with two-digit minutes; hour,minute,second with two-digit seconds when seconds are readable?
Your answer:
1,02,05
